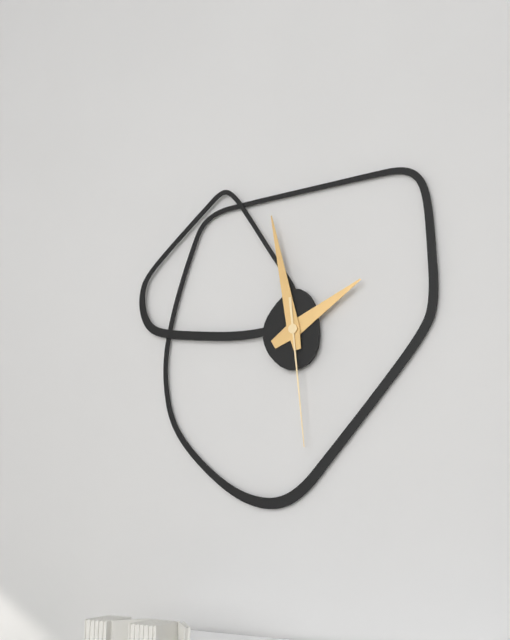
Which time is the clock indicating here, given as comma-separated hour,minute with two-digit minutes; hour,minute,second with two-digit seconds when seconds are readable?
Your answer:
1,58,29
